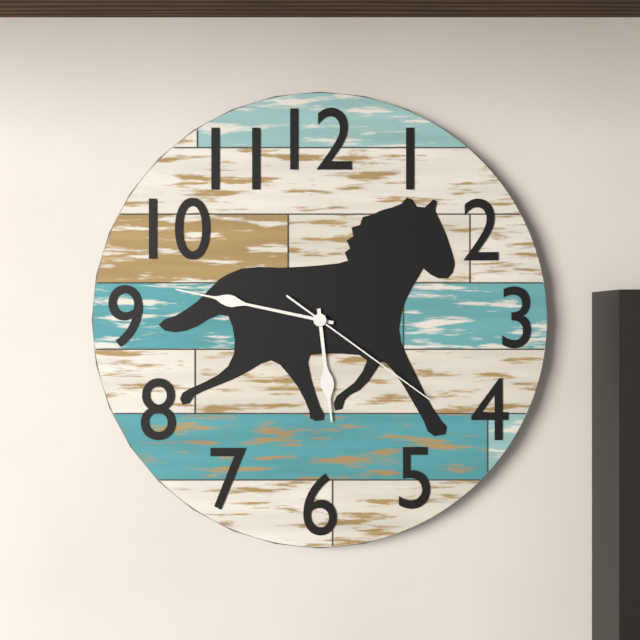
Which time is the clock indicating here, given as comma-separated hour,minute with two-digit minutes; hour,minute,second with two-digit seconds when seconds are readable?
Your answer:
5,47,21
